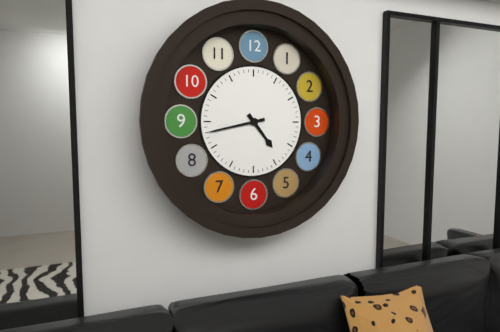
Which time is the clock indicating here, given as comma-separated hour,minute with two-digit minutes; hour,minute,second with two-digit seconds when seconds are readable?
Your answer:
4,43
